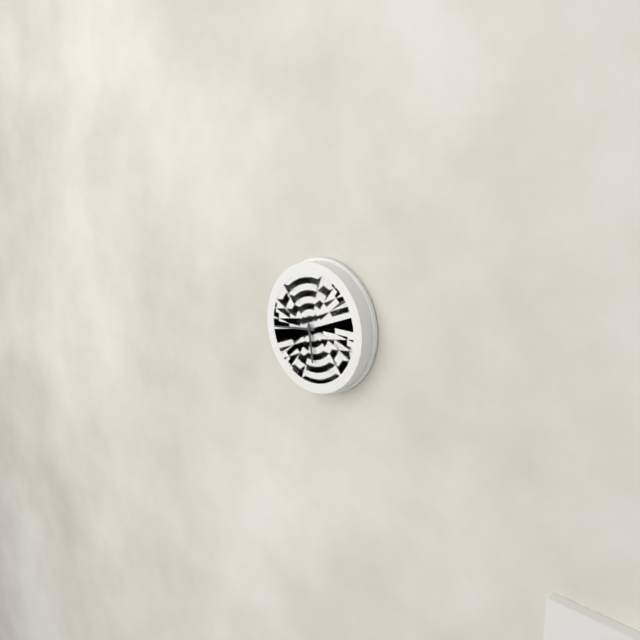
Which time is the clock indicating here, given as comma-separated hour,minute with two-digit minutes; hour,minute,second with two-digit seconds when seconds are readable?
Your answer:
5,44
